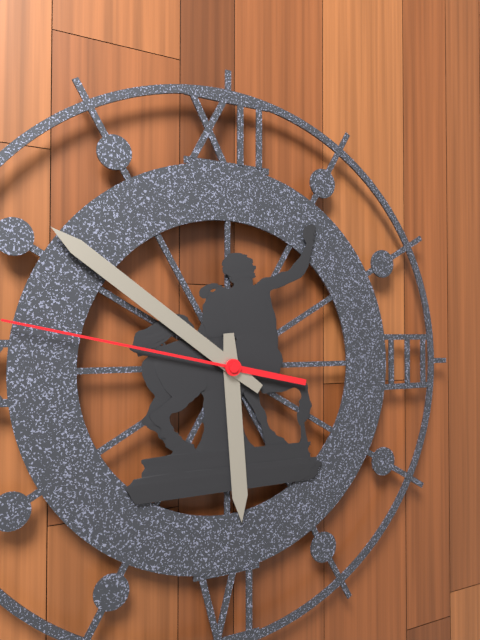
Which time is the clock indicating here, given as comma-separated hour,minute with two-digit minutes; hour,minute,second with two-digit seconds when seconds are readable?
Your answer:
5,51,47
